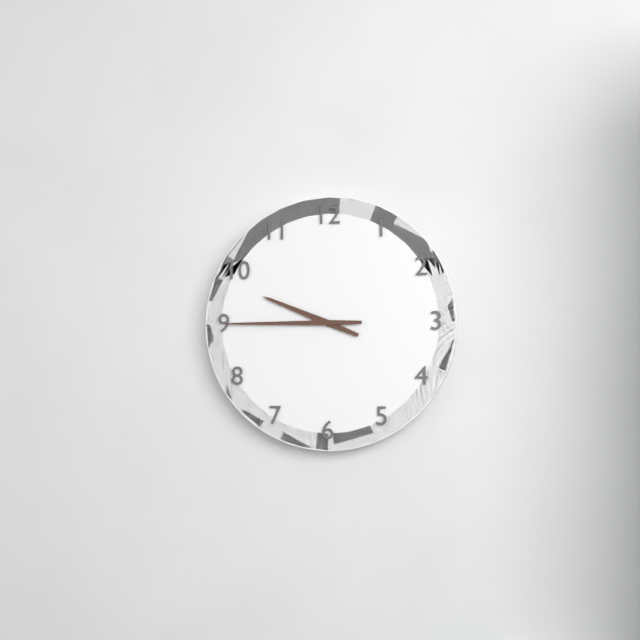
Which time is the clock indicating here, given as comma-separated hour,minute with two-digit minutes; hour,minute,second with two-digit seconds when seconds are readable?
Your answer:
9,45
